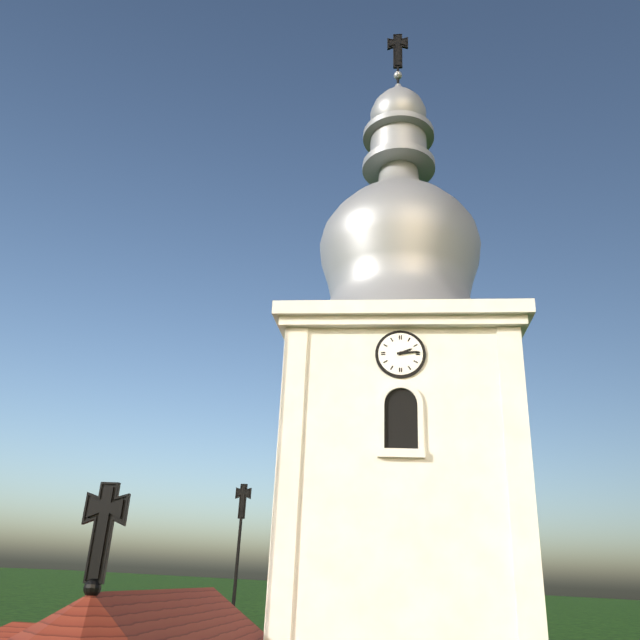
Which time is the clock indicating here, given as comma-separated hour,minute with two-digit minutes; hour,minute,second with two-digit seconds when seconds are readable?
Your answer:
2,14
